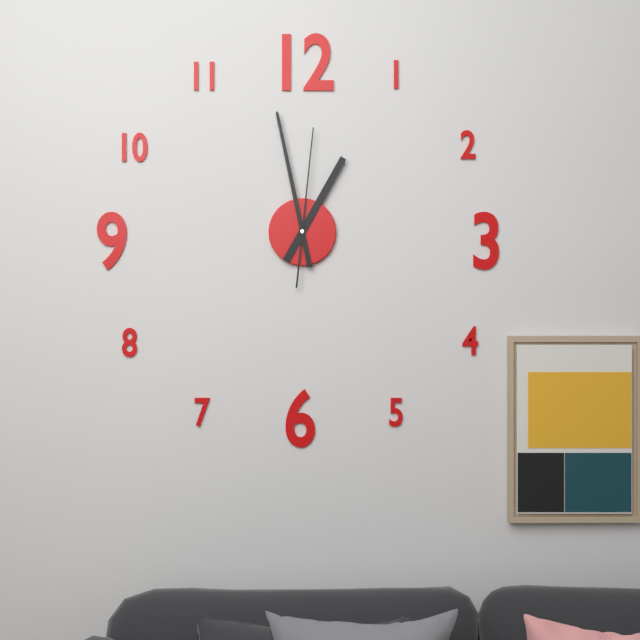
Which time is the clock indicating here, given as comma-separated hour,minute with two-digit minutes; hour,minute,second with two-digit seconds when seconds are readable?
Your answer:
12,58,01
